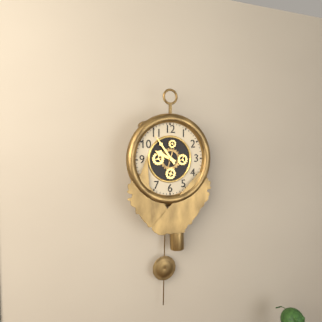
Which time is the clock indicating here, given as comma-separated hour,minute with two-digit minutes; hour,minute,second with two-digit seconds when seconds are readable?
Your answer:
9,54
